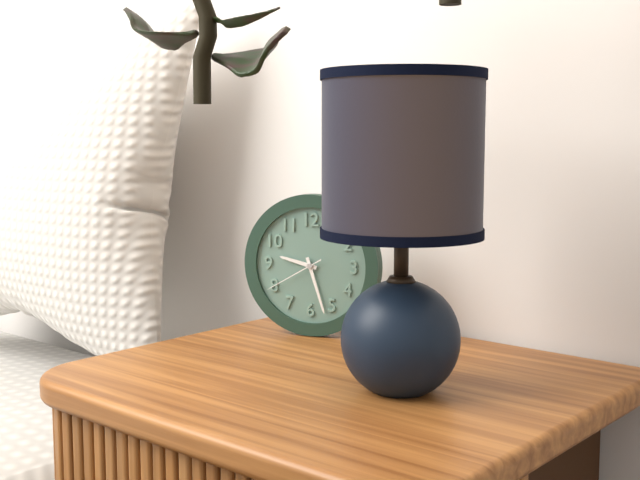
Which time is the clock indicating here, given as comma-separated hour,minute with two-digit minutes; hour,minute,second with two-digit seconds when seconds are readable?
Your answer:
9,27,40
